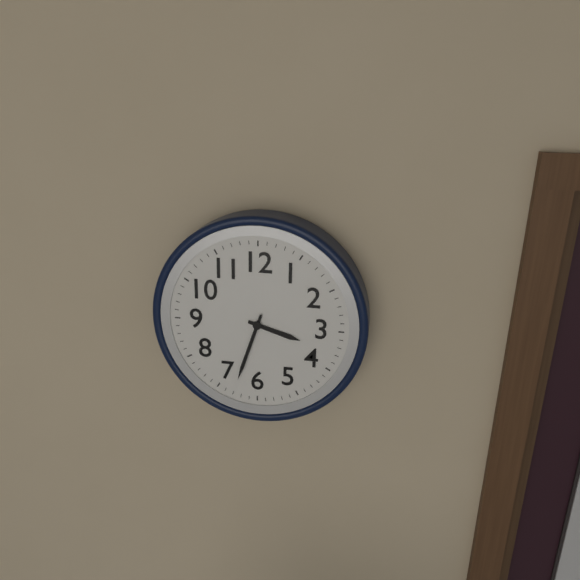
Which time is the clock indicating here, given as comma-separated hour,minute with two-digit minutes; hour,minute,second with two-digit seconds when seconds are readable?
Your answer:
3,33
